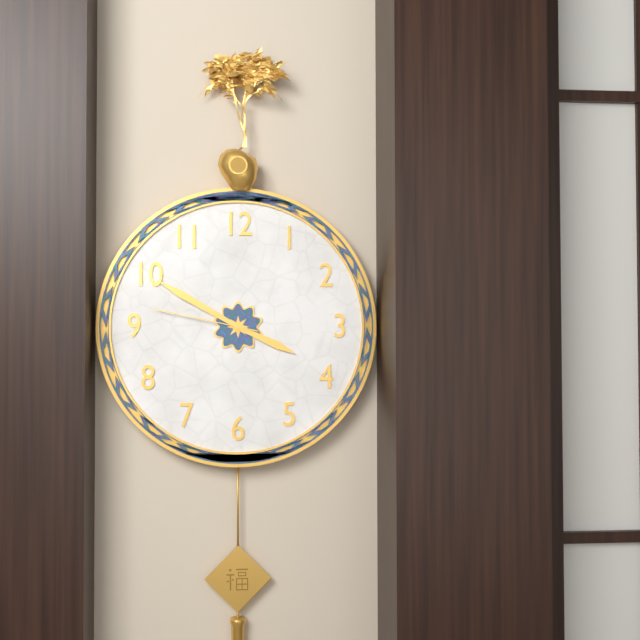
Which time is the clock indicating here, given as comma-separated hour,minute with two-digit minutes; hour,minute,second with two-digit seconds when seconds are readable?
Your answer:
3,50,47
